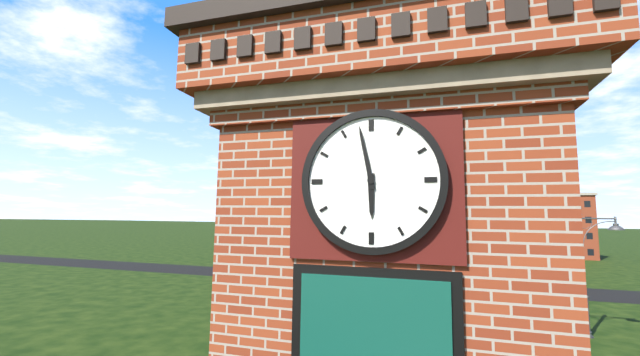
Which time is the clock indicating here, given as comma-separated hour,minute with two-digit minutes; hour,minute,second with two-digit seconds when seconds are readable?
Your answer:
5,58
